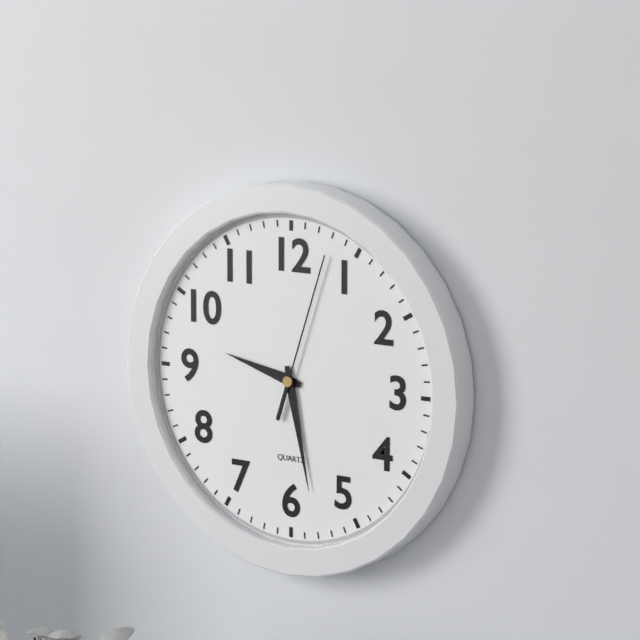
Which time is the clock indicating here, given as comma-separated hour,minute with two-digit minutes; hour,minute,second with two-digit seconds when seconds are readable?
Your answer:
9,28,03
